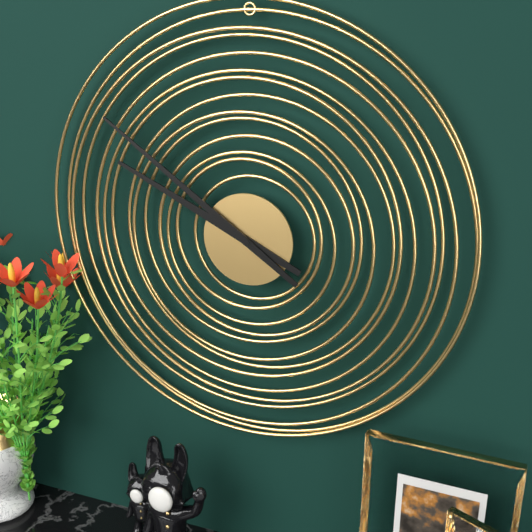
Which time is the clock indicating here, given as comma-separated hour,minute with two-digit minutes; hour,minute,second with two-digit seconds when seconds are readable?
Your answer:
9,51
